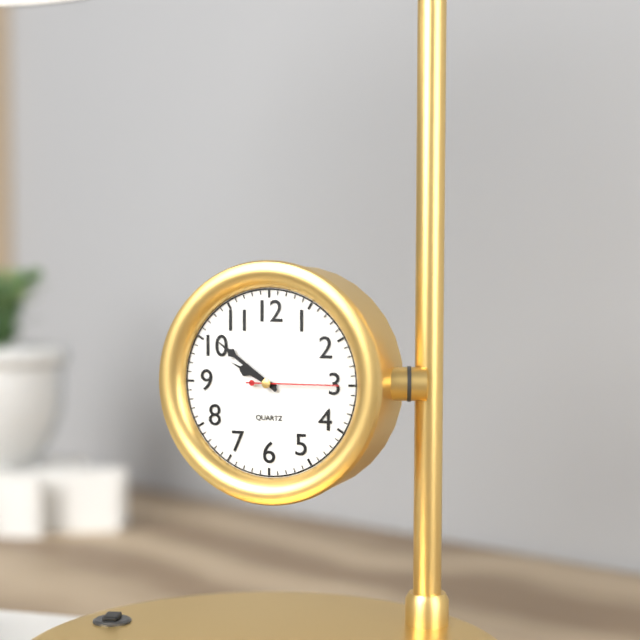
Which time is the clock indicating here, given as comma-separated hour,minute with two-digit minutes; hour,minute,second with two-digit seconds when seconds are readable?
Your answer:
9,51,15
